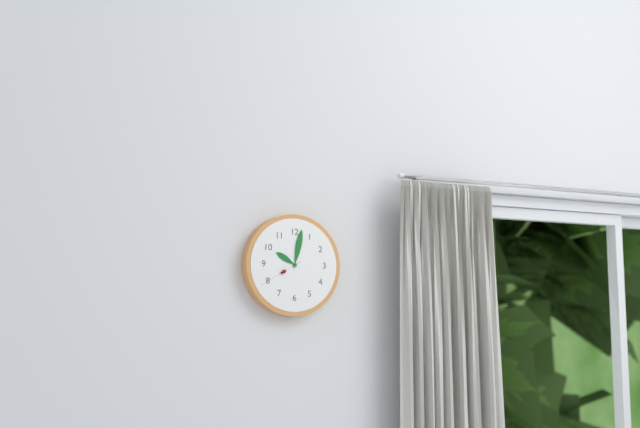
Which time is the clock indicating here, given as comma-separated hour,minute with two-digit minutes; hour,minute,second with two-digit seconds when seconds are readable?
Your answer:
10,02
